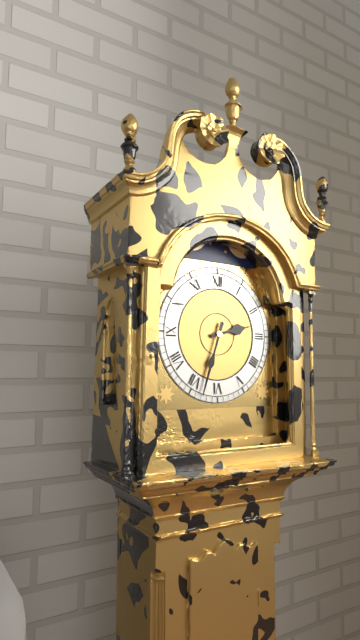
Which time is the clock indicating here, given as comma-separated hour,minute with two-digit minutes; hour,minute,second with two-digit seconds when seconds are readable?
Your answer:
2,33
